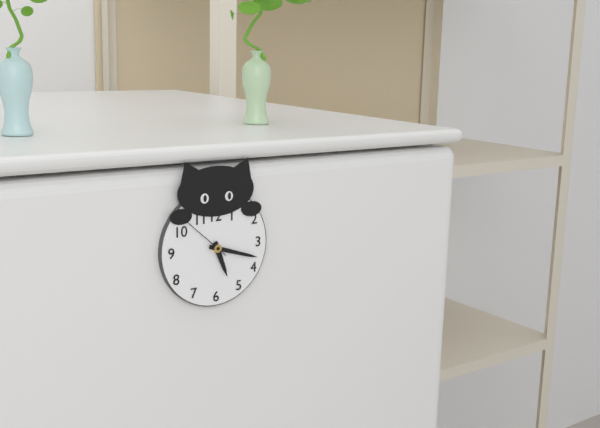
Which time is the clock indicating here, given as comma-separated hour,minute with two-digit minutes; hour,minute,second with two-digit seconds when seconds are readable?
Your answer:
5,18,52
